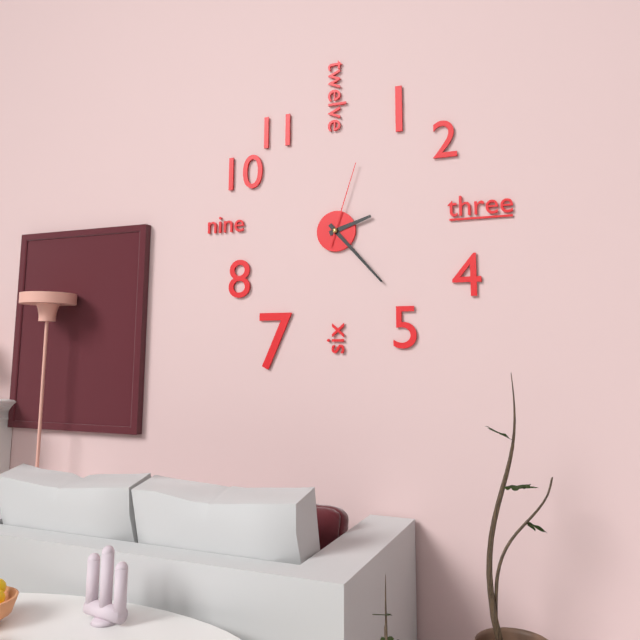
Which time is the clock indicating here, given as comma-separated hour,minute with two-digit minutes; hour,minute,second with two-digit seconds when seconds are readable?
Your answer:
2,23,03
